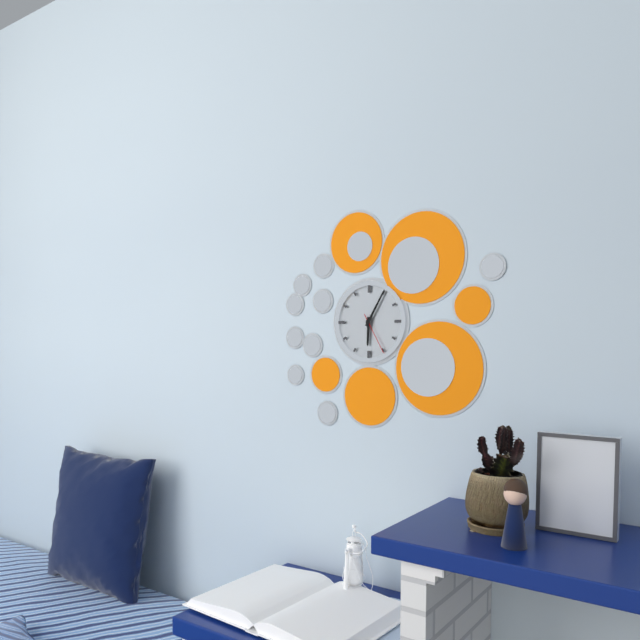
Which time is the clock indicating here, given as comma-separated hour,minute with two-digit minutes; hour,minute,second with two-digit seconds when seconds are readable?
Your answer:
6,05
